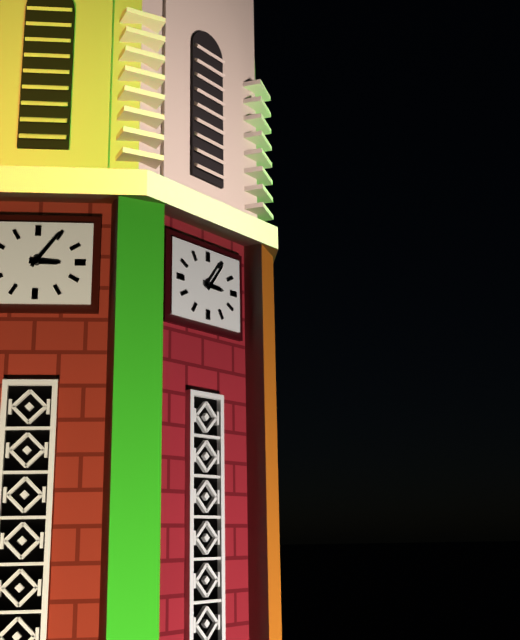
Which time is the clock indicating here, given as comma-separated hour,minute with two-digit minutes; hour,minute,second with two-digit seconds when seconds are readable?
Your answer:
3,06
